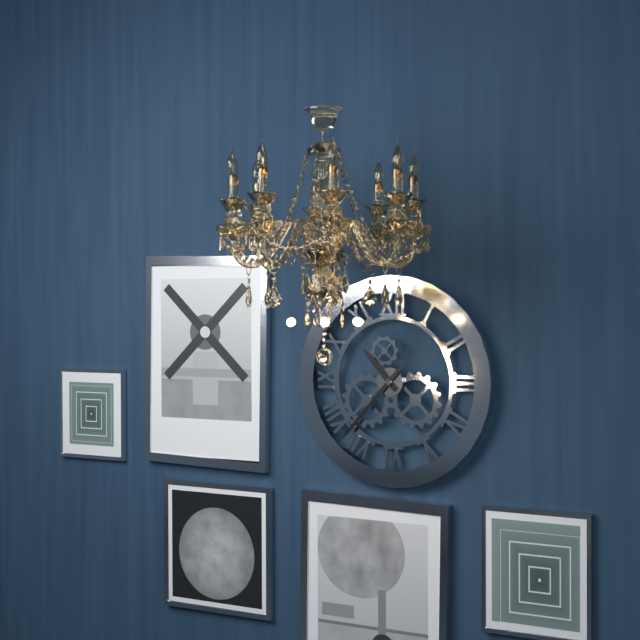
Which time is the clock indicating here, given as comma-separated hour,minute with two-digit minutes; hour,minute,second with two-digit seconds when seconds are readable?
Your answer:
10,37
